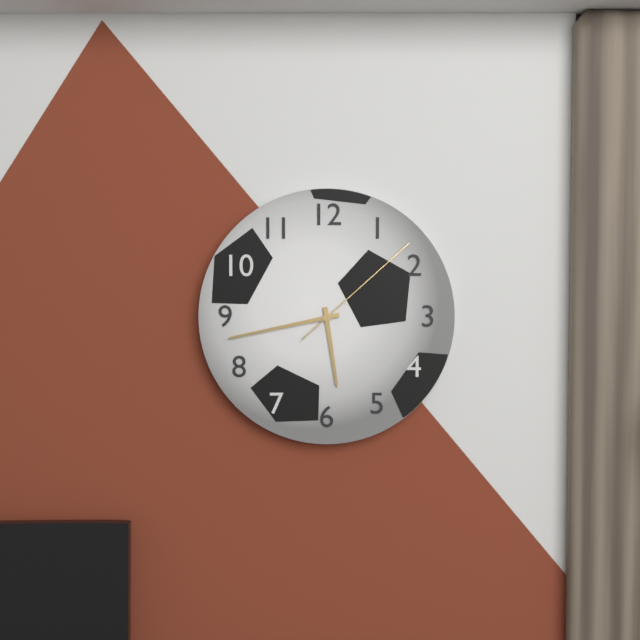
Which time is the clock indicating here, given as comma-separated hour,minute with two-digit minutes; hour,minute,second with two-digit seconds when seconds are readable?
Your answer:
5,43,08
